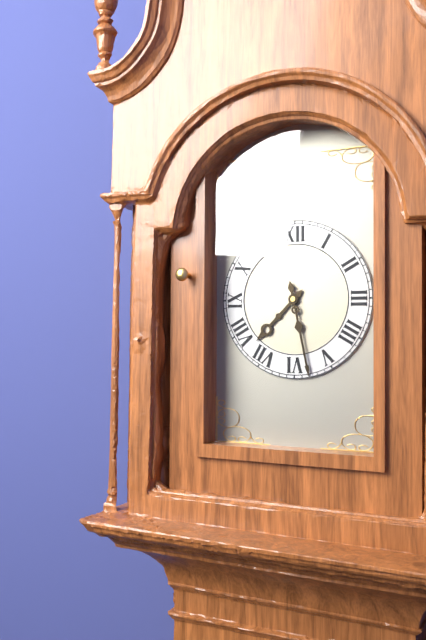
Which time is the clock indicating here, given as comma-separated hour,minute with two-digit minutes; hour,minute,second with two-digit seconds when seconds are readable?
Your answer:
7,28
